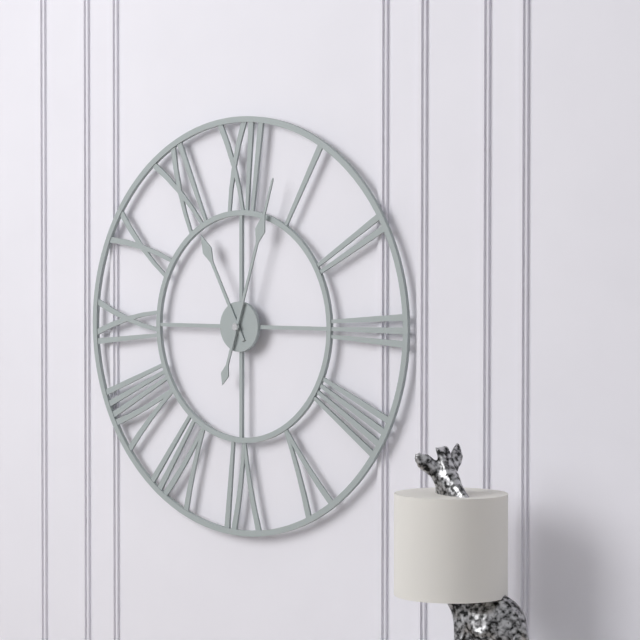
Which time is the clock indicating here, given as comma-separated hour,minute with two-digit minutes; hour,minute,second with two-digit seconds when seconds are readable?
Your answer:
11,03
